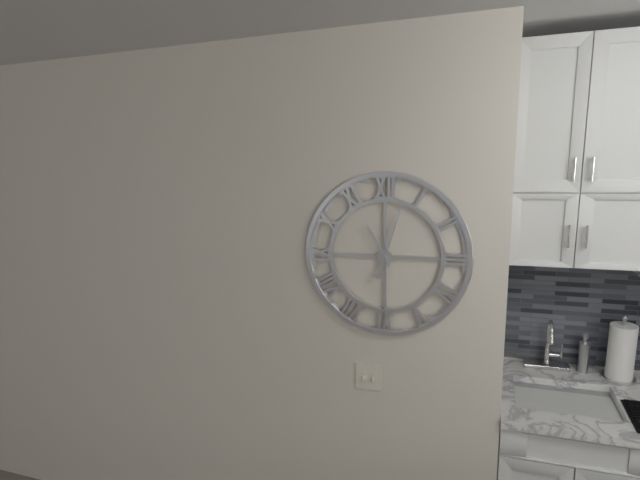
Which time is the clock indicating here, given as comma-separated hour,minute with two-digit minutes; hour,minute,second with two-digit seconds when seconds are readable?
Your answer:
11,03
